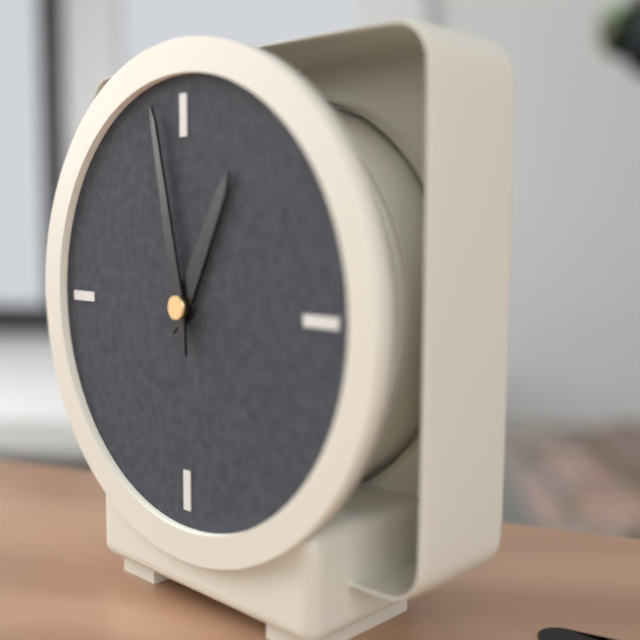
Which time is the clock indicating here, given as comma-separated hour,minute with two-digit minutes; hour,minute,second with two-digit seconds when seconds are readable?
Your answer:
12,58
